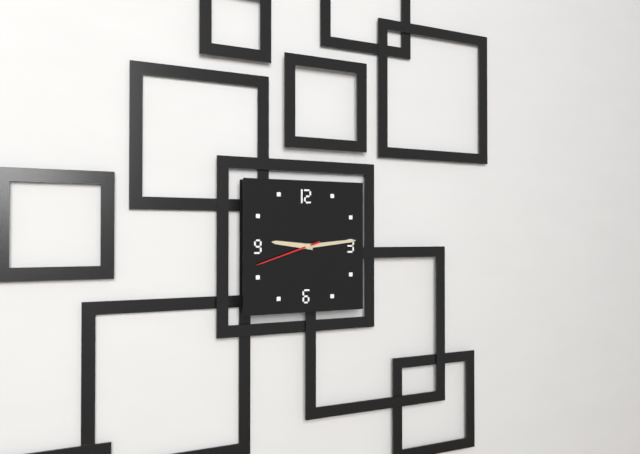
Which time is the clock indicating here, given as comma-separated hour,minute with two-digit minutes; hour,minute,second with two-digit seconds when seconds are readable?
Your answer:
9,14,42
